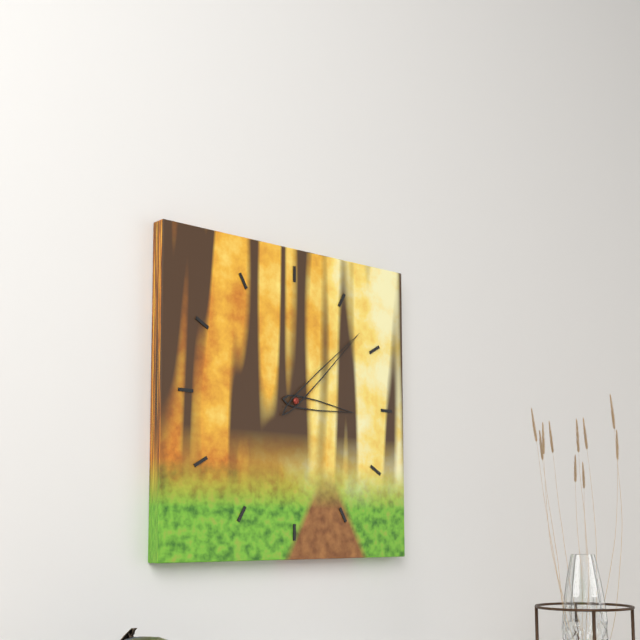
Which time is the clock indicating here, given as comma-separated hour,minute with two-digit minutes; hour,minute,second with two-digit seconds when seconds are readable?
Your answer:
3,08
